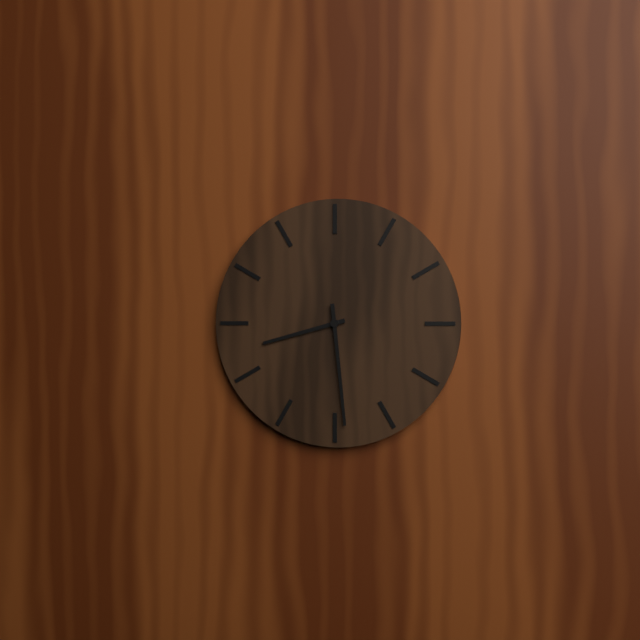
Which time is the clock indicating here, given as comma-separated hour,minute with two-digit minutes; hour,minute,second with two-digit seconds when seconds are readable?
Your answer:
8,29
